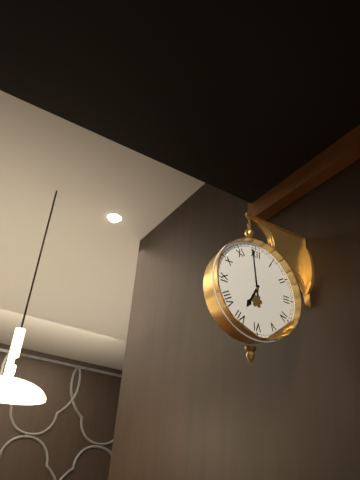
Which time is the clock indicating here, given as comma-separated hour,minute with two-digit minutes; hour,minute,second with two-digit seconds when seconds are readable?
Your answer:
6,59
